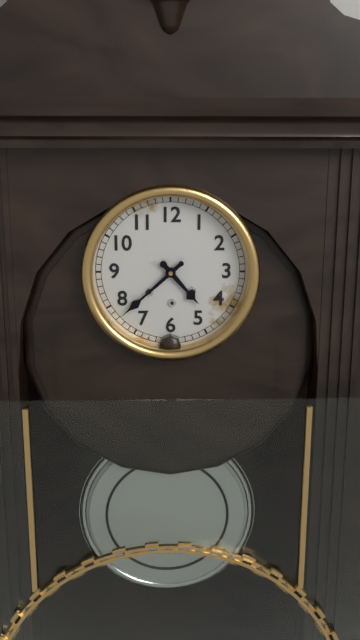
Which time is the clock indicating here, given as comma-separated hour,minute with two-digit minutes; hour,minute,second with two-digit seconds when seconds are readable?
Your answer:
4,38
